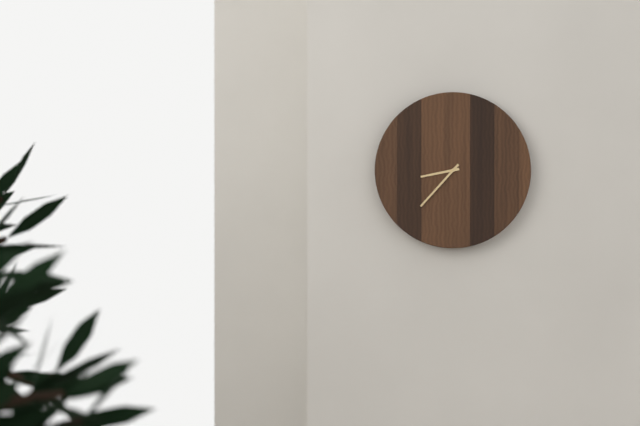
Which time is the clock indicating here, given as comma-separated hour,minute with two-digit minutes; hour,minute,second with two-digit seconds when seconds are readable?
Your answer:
8,37
